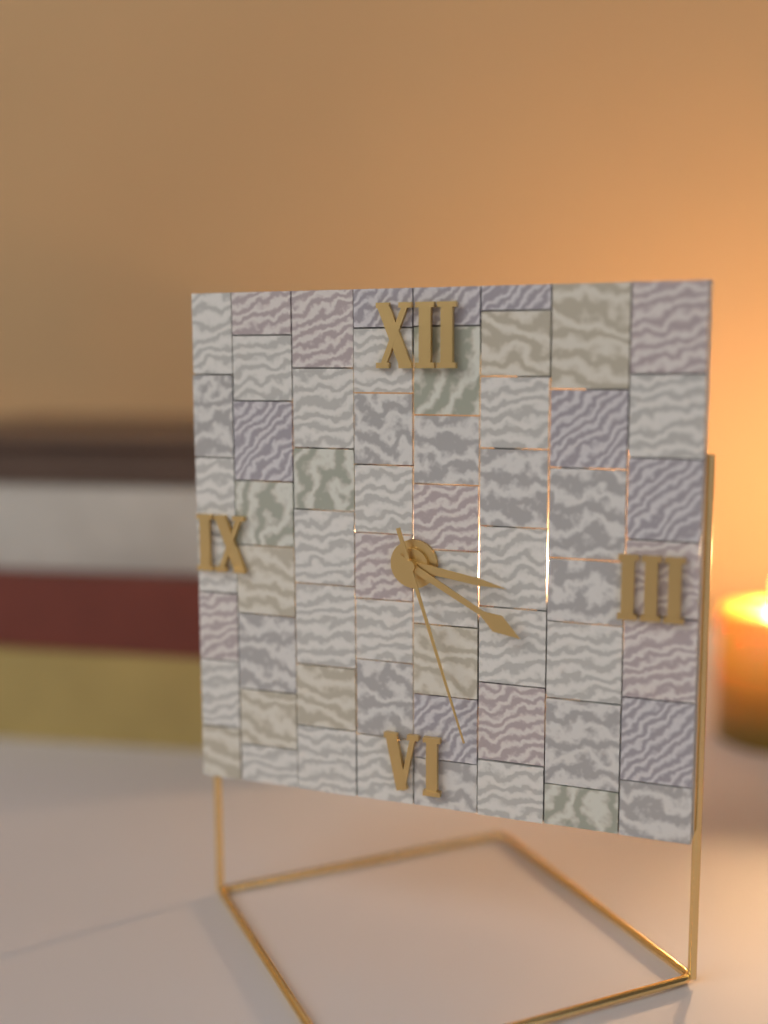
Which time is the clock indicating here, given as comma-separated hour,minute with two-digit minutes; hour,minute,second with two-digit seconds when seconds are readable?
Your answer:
3,20,27
